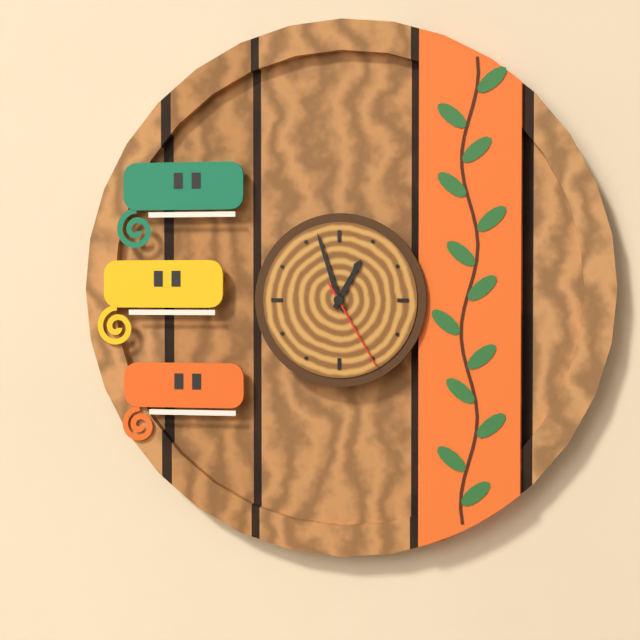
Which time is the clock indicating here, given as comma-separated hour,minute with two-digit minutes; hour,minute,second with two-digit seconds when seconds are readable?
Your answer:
12,57,25
